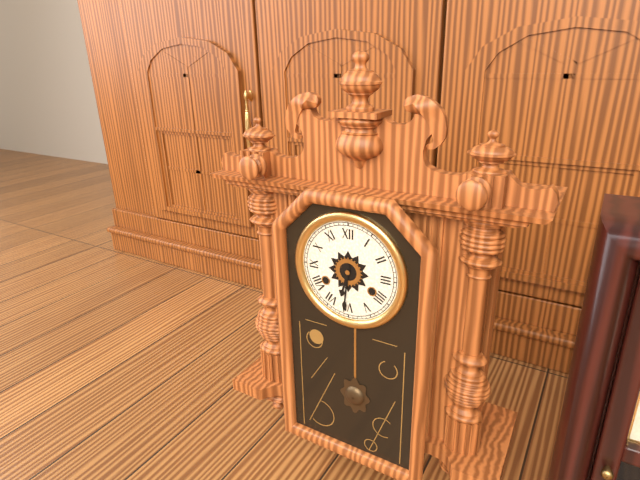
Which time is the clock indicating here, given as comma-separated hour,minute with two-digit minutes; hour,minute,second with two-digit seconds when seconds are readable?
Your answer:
6,31
